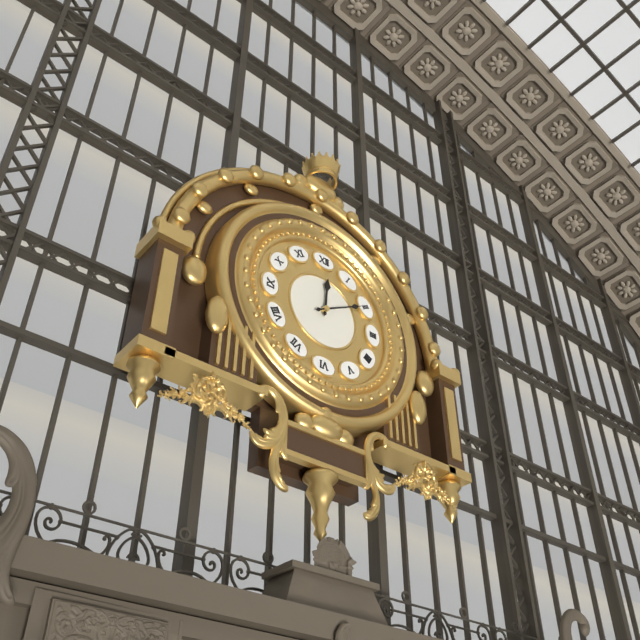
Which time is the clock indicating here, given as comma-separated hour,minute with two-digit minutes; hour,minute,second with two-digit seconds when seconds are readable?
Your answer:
12,10
